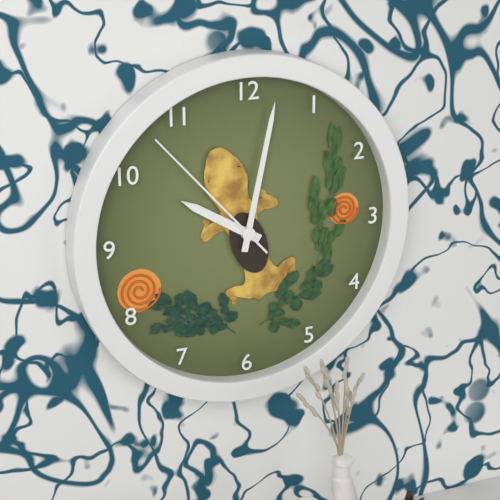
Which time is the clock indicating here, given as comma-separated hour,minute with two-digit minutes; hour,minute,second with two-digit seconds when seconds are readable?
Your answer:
10,02,53
